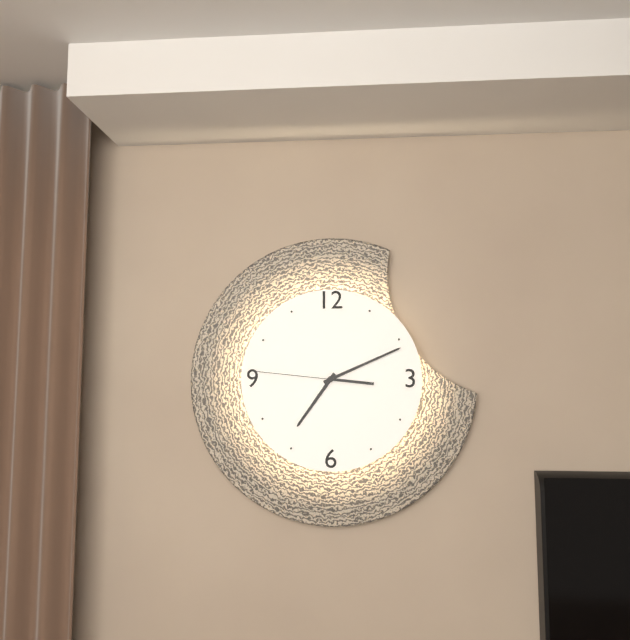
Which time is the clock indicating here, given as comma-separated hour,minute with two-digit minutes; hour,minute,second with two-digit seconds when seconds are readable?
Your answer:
7,11,46
